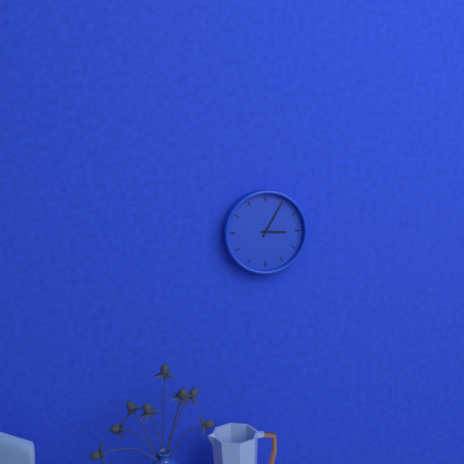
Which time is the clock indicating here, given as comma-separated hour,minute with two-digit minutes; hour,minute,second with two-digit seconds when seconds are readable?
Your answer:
3,05
